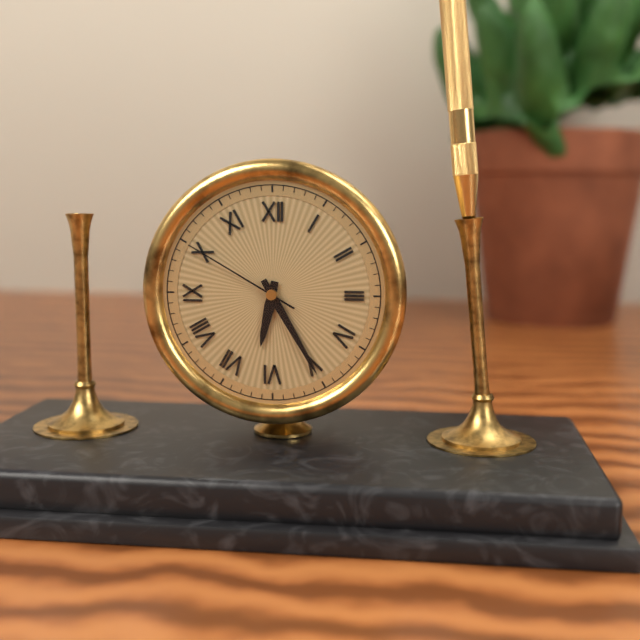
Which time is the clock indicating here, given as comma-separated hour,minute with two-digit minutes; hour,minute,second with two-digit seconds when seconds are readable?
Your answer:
6,25,50
